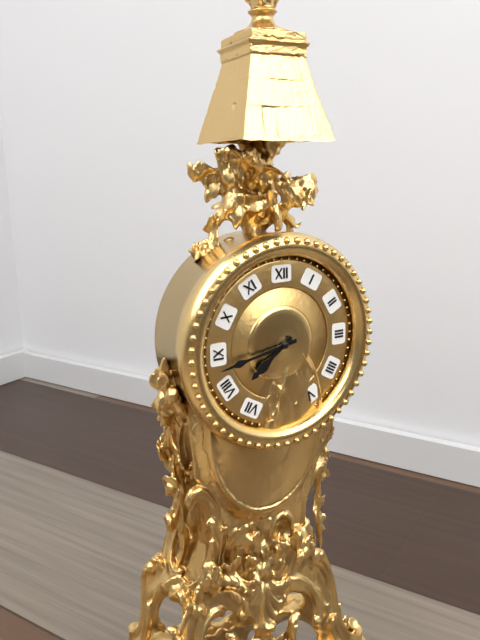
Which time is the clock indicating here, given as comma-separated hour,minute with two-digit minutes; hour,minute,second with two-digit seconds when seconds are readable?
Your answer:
7,43
